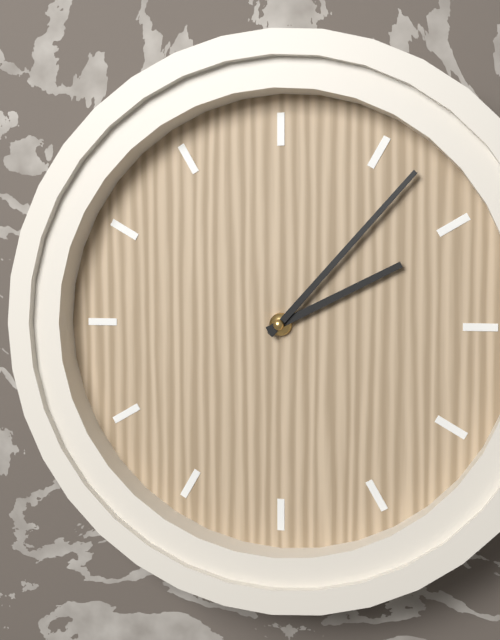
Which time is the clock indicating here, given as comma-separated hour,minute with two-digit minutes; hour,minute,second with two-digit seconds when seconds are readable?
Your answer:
2,07
